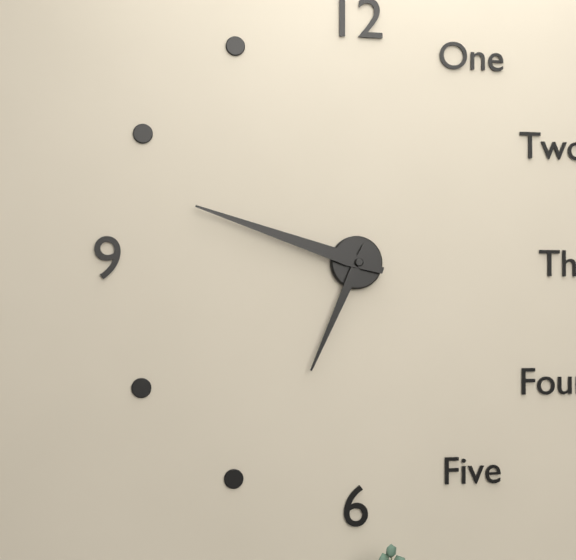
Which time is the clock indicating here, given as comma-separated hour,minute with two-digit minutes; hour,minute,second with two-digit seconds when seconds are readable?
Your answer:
6,48
